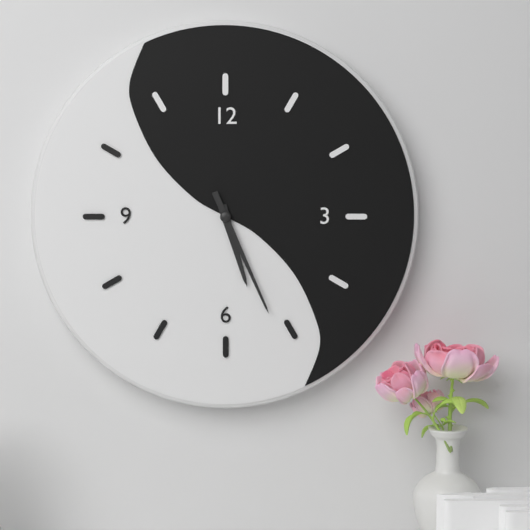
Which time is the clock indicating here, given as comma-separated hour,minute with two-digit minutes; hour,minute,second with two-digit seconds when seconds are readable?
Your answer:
5,26
